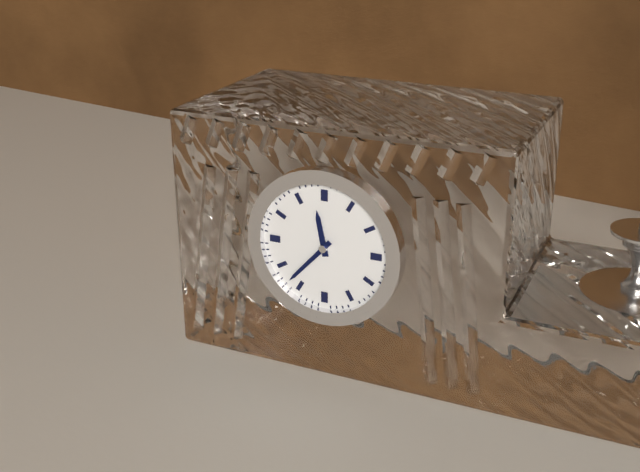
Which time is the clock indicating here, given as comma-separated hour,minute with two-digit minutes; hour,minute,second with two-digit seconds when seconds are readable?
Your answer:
11,37
